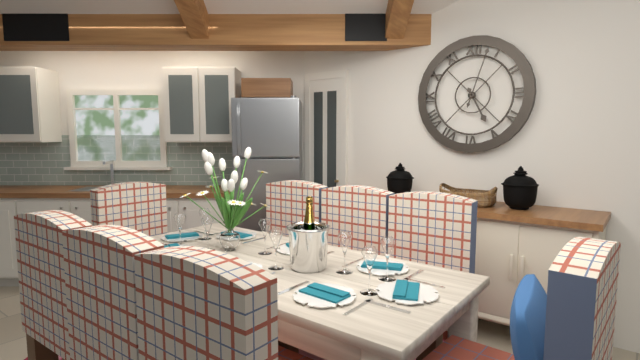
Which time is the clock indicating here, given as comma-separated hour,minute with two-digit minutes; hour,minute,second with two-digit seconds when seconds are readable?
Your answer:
5,03
